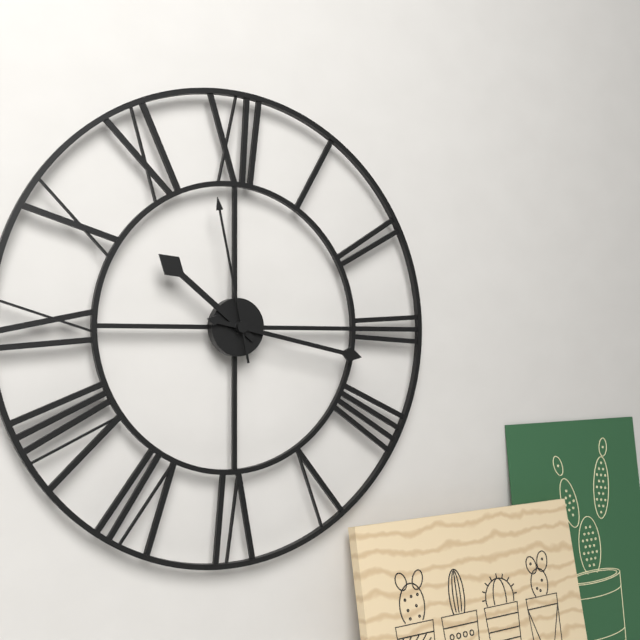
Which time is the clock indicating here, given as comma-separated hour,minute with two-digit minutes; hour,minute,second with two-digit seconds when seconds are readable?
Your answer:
10,17,58
